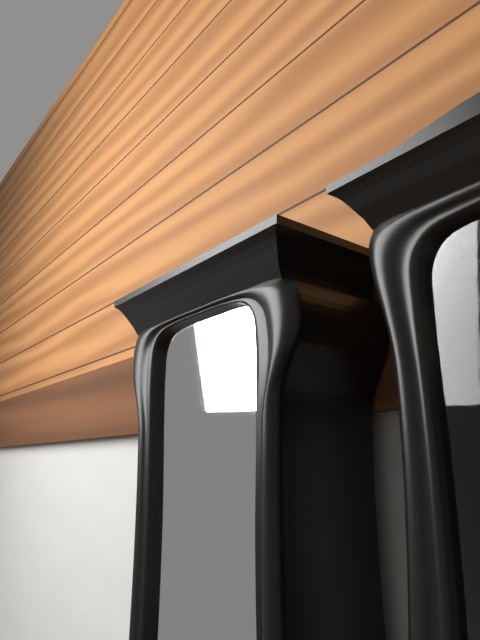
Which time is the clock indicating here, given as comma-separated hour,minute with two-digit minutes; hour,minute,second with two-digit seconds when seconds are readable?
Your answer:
7,40
